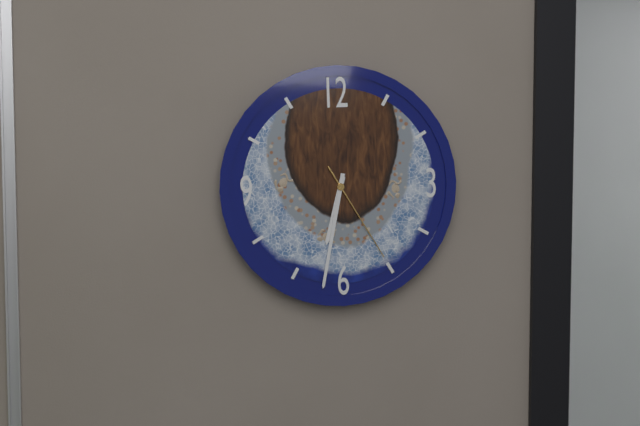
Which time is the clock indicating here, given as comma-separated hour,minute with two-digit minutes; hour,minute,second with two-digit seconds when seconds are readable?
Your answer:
6,32,25
